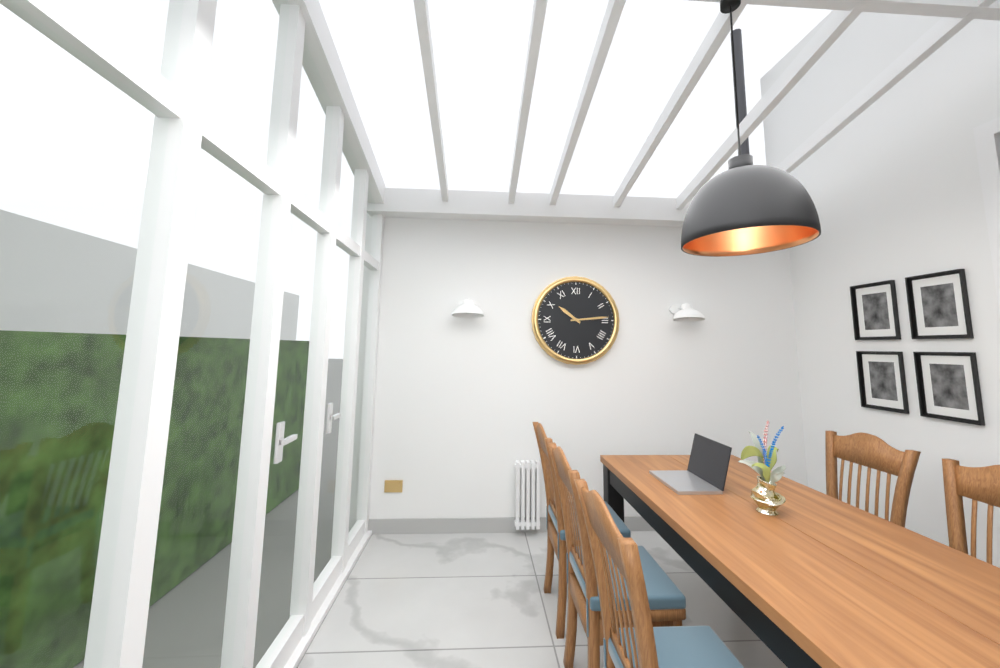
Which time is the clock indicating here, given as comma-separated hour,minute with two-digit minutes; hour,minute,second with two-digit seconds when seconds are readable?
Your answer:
10,14
